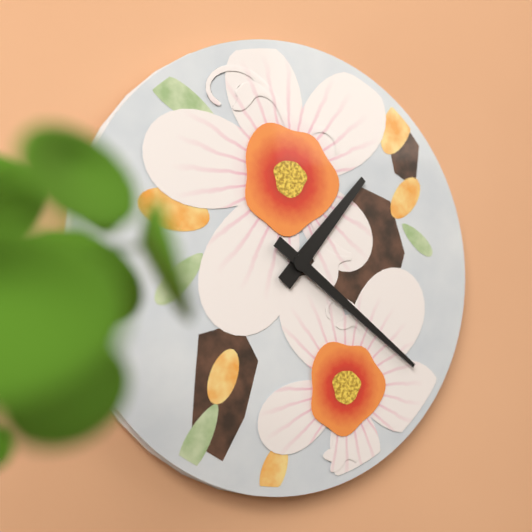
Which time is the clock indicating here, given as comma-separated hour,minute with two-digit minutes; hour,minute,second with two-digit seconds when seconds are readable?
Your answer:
1,21
